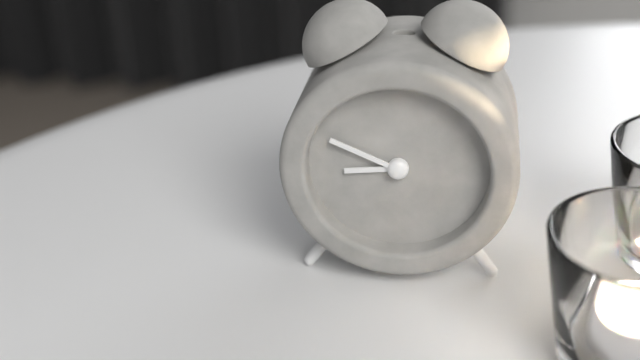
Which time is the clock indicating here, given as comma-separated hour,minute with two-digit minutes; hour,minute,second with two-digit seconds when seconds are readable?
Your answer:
8,49
